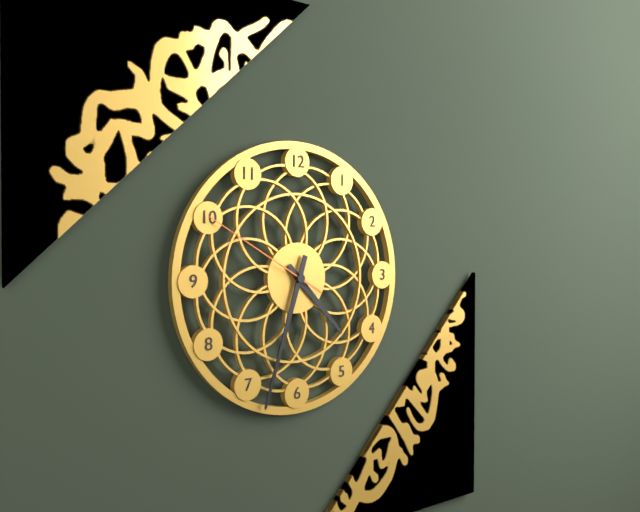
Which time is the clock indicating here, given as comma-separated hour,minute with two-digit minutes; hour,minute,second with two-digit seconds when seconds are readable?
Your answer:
4,33,50
